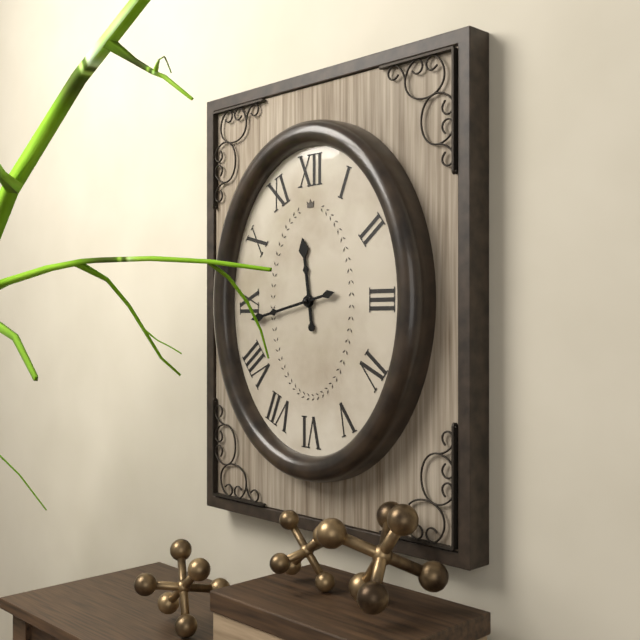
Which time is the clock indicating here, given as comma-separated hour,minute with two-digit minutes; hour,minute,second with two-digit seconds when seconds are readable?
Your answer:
11,43
